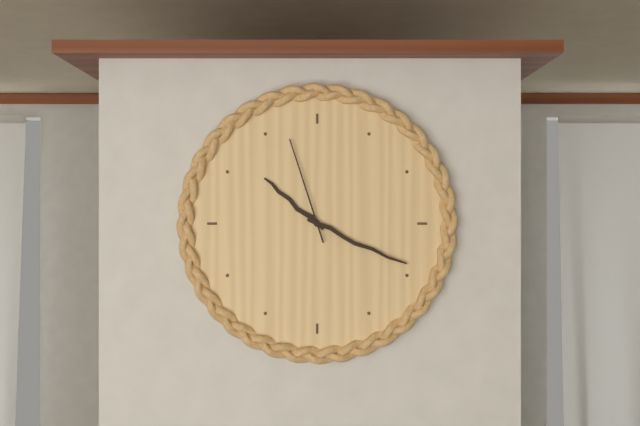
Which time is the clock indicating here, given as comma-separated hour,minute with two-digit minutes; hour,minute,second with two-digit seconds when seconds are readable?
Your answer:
10,19,57
